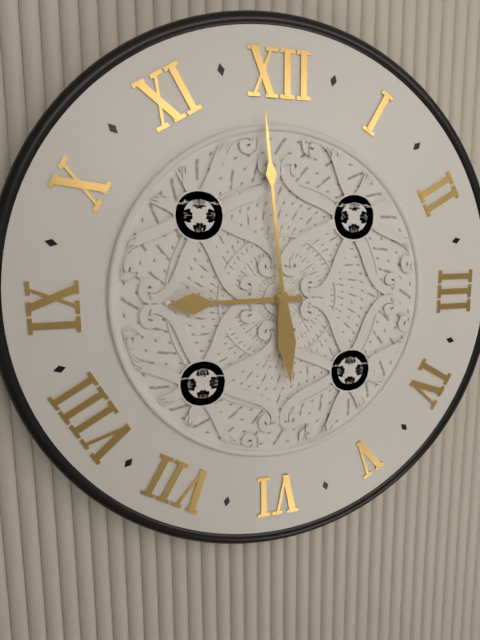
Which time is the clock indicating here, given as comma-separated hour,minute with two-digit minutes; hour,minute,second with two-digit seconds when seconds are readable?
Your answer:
8,59
